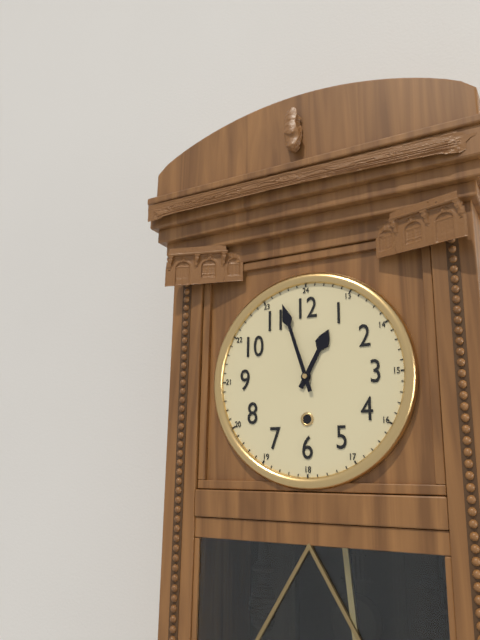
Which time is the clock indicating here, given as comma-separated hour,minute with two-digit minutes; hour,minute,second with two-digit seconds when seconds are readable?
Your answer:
12,57
